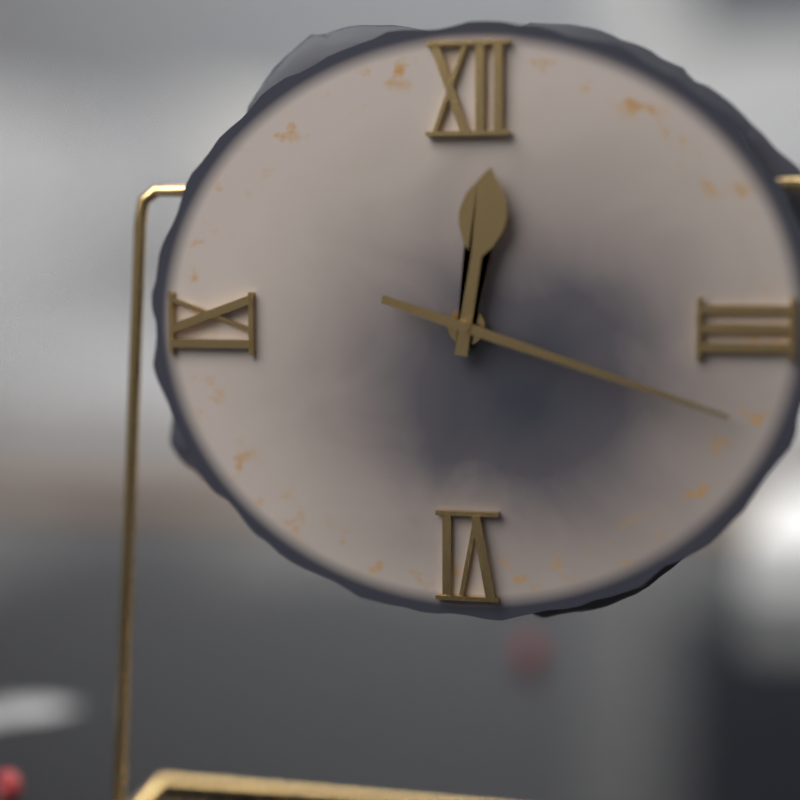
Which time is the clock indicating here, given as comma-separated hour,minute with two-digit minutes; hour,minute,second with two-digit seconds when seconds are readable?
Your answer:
12,18
